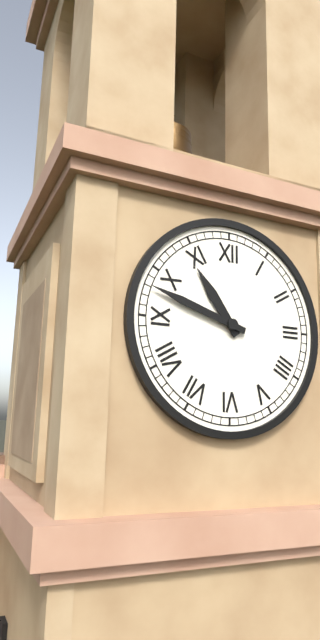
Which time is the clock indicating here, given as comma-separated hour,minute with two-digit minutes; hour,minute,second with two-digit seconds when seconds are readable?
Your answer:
10,48
